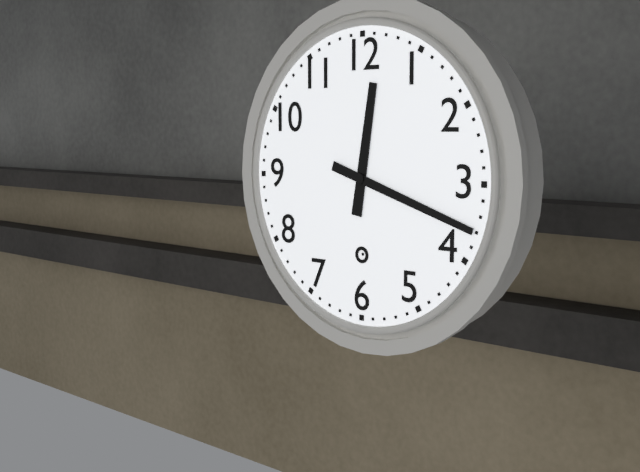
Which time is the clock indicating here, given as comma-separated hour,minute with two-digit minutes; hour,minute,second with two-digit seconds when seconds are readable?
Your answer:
12,18
